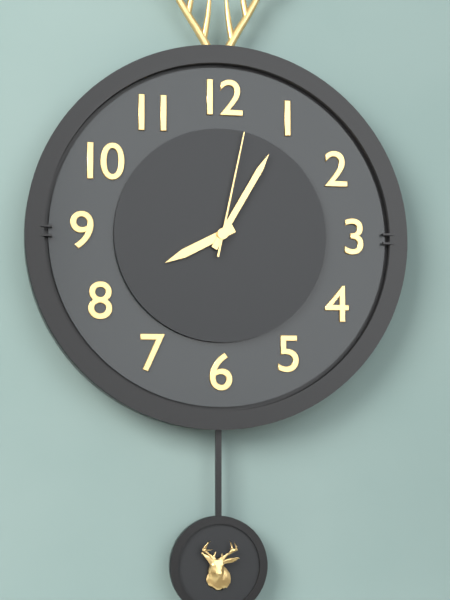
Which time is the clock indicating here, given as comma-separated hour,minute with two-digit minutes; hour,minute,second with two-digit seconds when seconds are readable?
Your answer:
8,05,02
